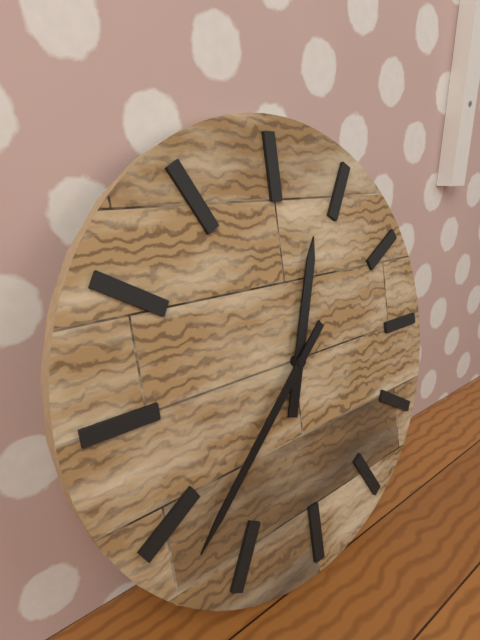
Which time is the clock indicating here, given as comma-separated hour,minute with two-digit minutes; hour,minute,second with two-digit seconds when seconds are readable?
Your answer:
12,38
